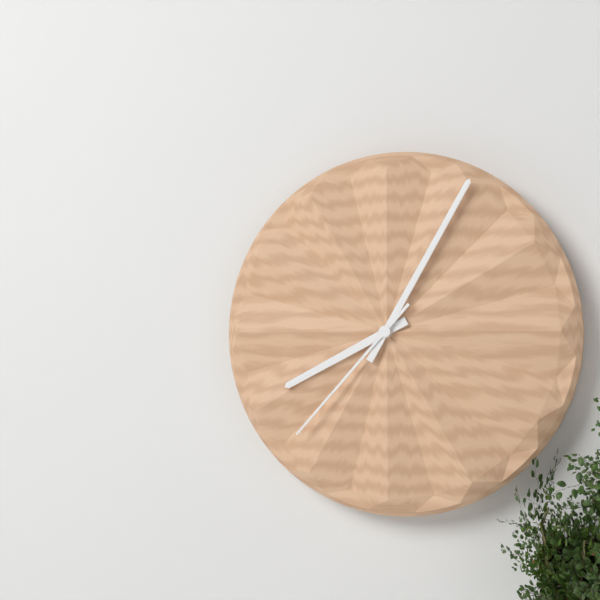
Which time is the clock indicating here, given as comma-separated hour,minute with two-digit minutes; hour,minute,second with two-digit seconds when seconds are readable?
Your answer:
8,05,37
